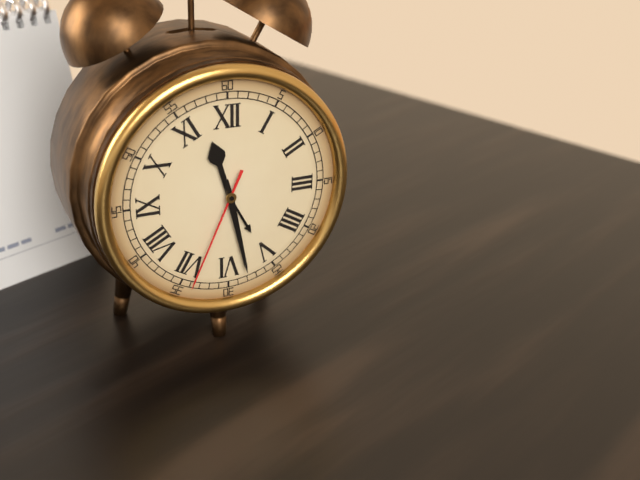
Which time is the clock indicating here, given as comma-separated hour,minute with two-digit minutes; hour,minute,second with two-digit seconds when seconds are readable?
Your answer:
11,28,34
